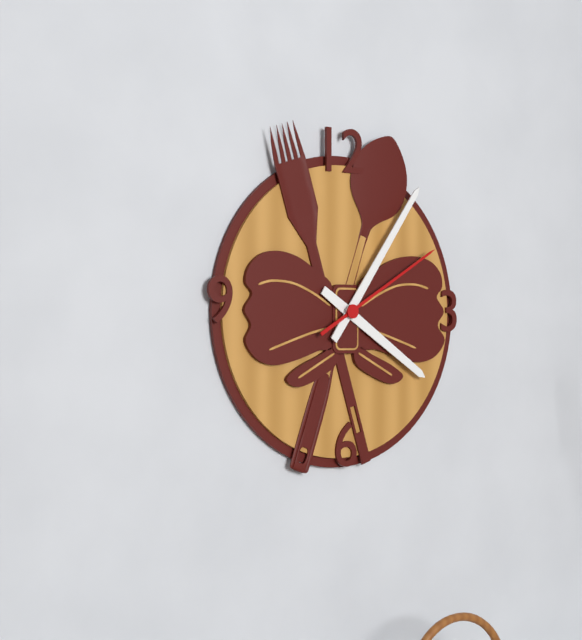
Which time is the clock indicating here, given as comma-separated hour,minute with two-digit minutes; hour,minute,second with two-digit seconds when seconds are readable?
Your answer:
4,06,10
